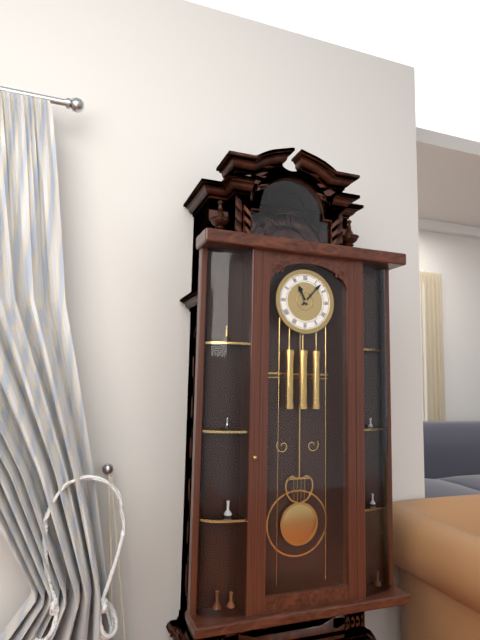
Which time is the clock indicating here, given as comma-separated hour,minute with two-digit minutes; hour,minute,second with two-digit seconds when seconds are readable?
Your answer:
11,07
